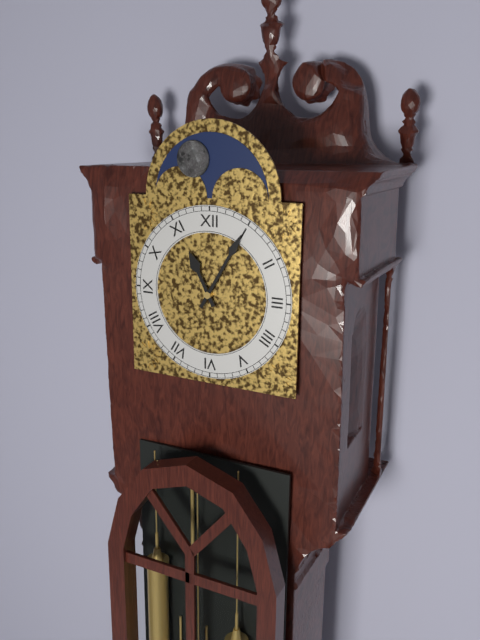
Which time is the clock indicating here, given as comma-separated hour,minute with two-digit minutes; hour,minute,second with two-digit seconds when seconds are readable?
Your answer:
11,05
